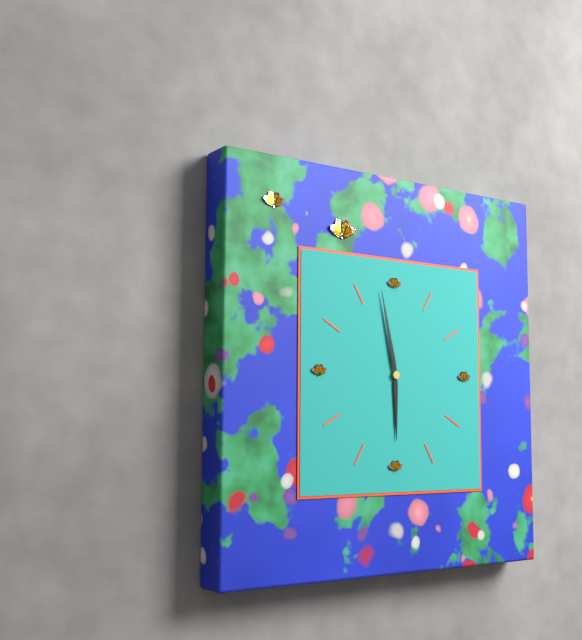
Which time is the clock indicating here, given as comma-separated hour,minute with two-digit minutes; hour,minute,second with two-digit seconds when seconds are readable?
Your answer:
5,58
